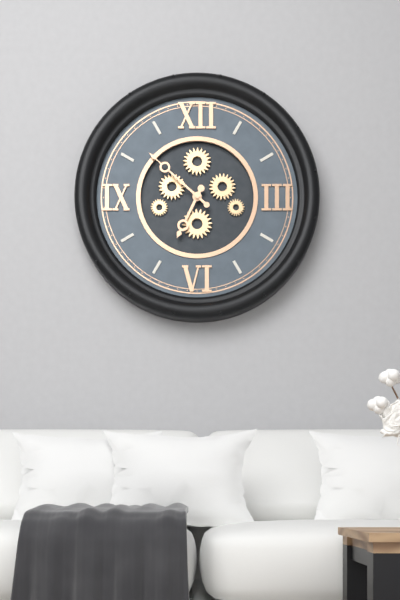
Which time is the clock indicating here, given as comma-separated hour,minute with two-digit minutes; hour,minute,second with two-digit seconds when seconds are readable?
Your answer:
6,52
